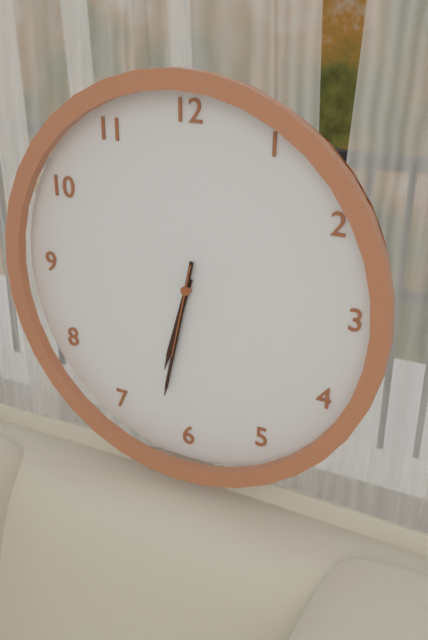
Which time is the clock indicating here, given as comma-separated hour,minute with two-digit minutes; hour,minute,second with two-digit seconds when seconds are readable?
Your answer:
6,32,32
